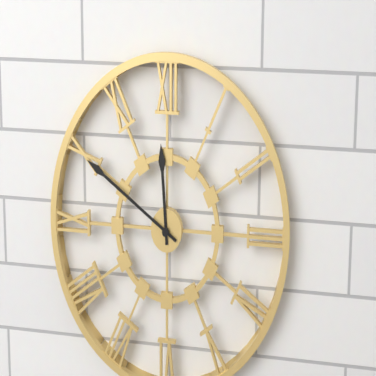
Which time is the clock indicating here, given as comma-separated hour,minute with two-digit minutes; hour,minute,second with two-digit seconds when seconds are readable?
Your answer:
11,50
